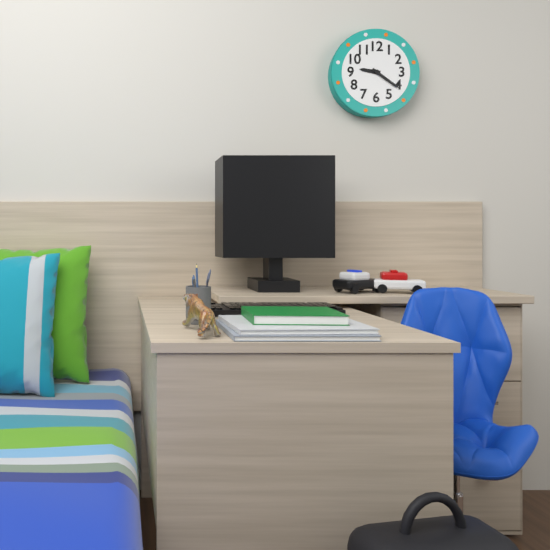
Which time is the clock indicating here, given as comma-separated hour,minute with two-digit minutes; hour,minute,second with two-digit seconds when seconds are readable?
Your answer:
9,21
